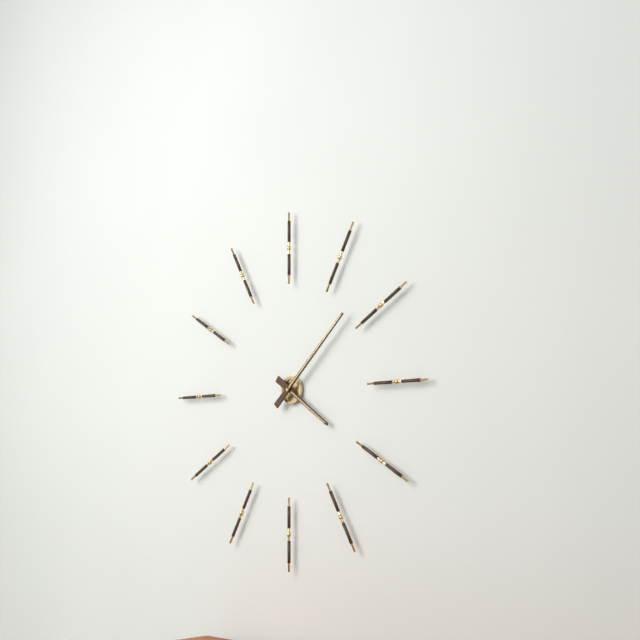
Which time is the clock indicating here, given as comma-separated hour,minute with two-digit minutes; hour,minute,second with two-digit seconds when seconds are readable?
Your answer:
4,08
